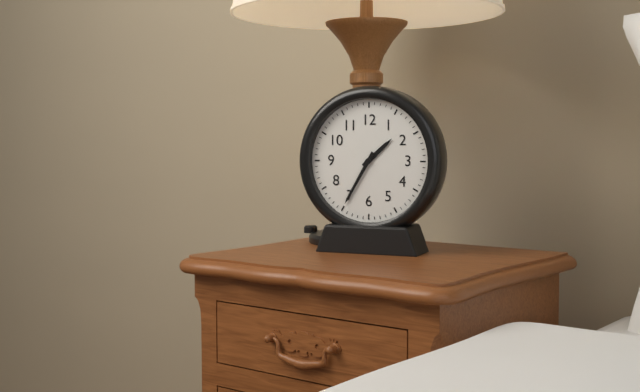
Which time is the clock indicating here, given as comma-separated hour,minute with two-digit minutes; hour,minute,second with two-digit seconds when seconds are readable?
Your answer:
1,35
